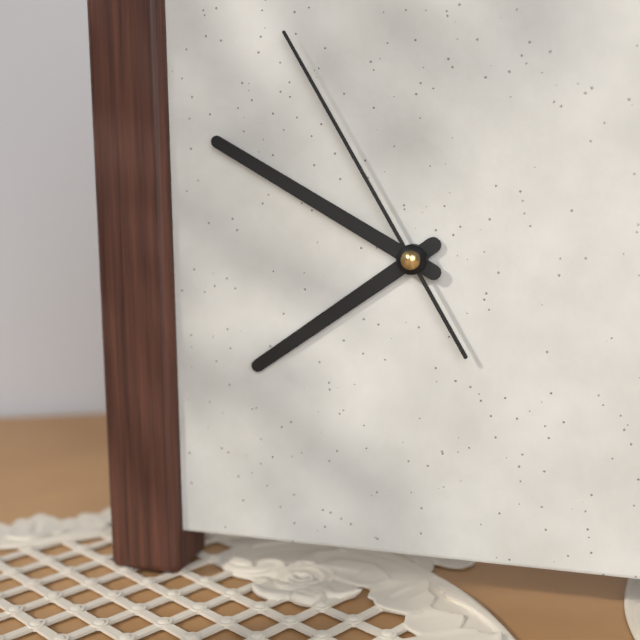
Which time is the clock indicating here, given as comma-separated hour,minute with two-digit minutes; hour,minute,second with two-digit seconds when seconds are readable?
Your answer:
7,50,55
